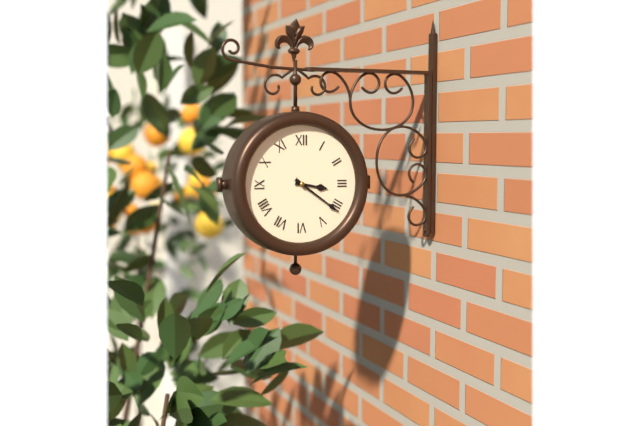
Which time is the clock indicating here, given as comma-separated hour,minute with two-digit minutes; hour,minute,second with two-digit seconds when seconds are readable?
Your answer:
3,21
